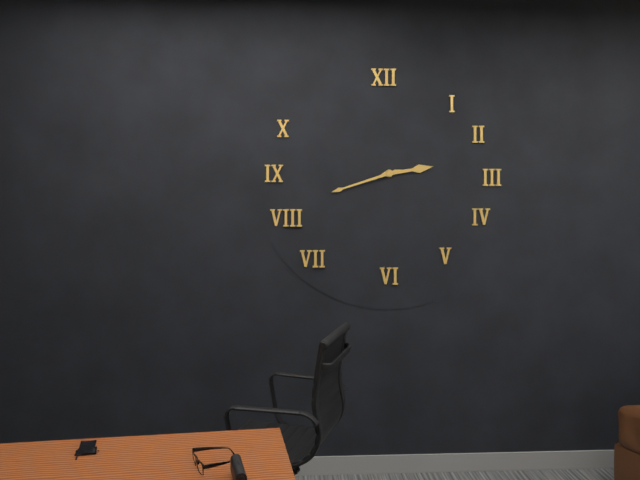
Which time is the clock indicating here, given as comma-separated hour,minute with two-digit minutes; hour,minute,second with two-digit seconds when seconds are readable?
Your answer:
2,42
